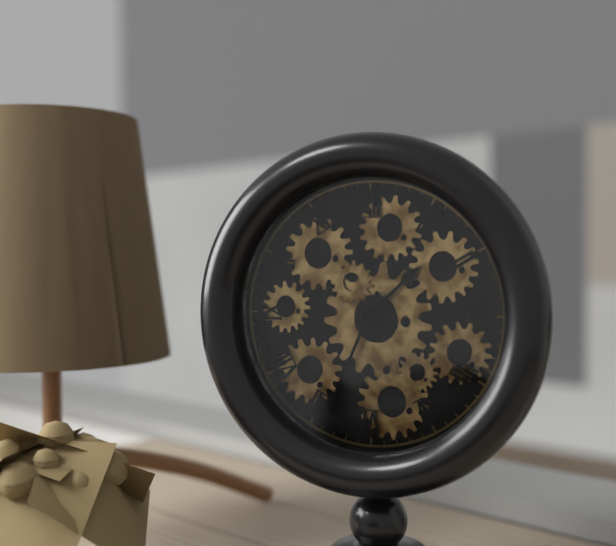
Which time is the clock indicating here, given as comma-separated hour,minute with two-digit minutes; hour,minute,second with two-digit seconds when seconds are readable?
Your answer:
1,34
